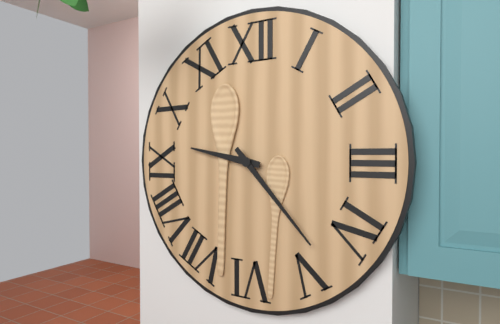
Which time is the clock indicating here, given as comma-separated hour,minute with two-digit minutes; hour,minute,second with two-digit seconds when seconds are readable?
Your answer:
9,23
